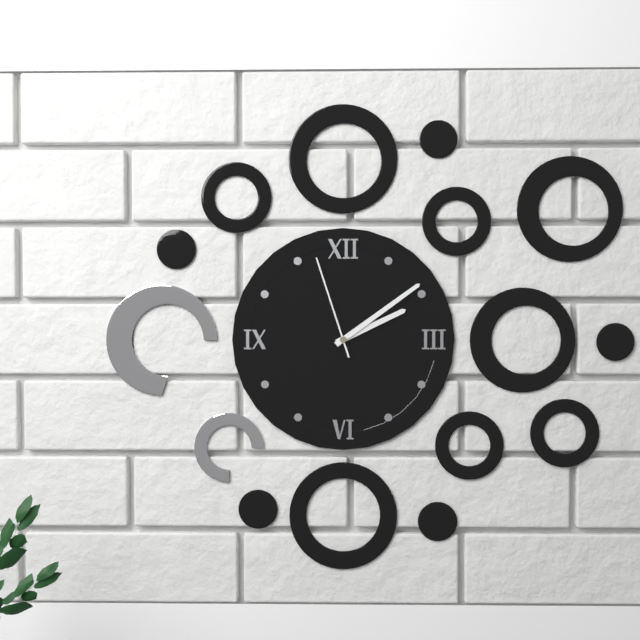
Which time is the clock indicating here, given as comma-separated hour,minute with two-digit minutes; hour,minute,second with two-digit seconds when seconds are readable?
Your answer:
2,09,57
